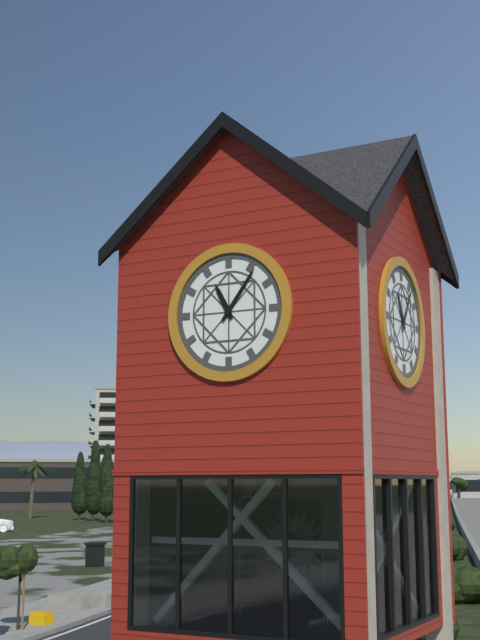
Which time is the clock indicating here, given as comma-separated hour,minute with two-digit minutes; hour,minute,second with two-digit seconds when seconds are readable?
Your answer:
11,06
